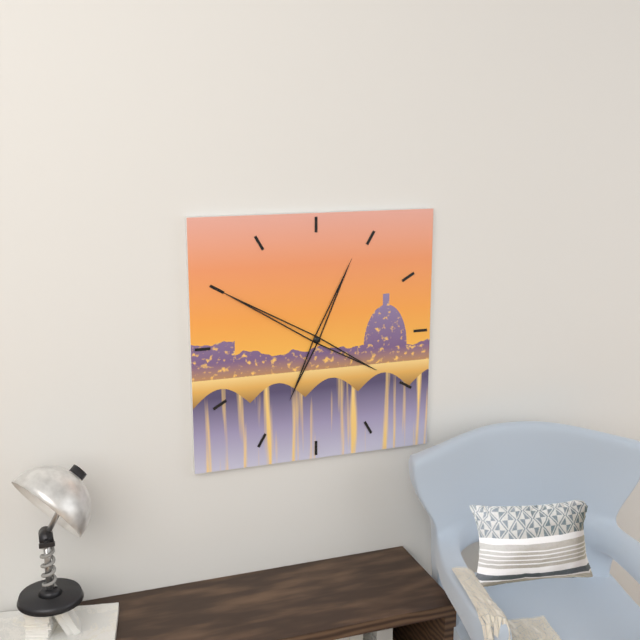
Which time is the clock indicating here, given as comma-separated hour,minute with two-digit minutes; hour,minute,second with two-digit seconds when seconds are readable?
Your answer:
12,50
